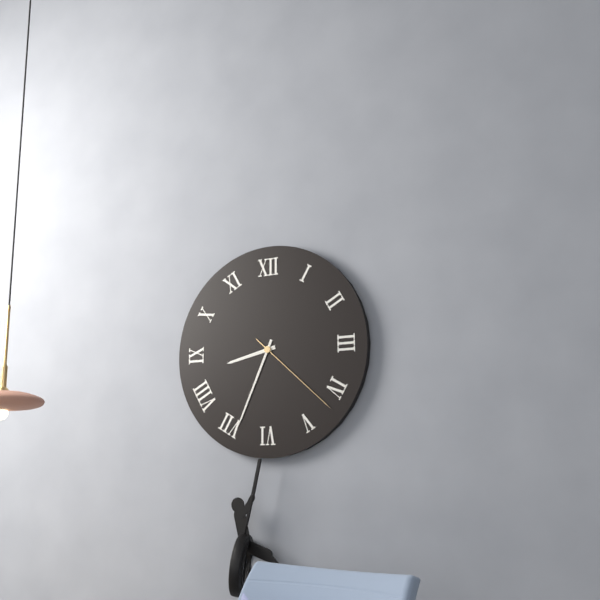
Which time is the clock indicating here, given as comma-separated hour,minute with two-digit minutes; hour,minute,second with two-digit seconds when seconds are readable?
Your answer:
8,34,22
